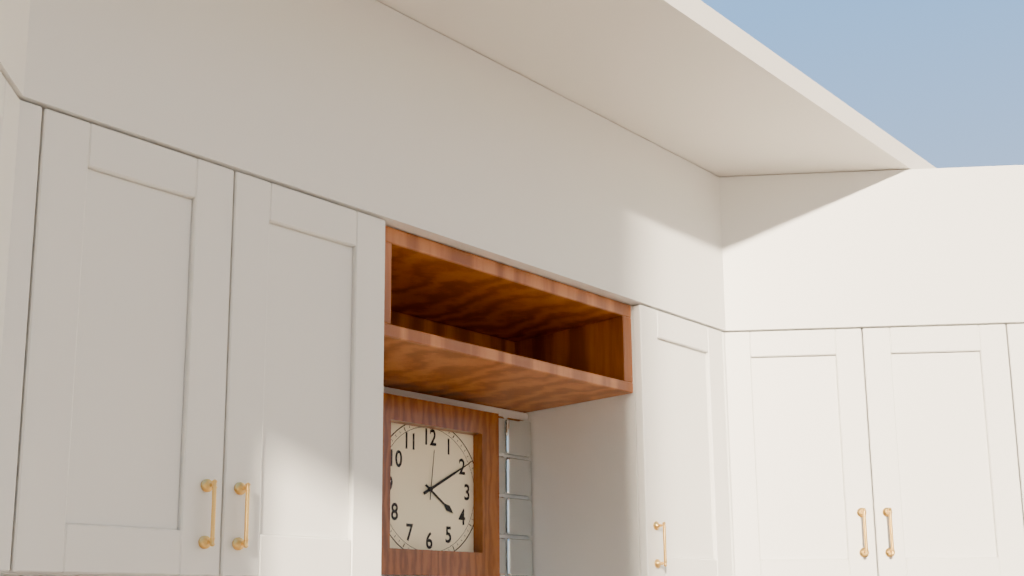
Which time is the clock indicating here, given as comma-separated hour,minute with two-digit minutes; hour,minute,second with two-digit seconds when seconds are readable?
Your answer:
4,10
